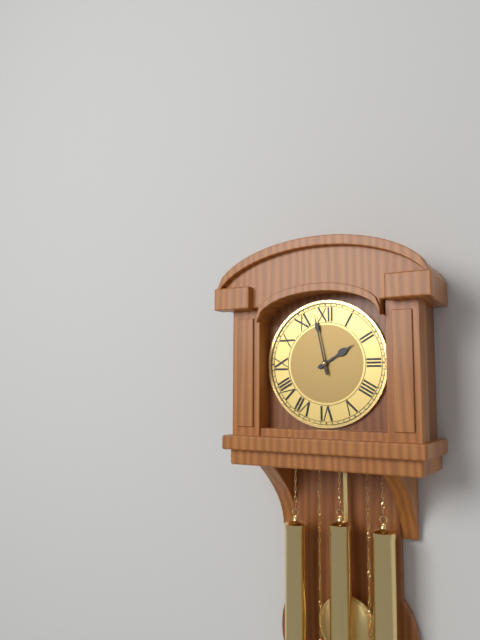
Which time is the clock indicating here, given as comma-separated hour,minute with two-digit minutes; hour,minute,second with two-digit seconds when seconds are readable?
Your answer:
1,58
